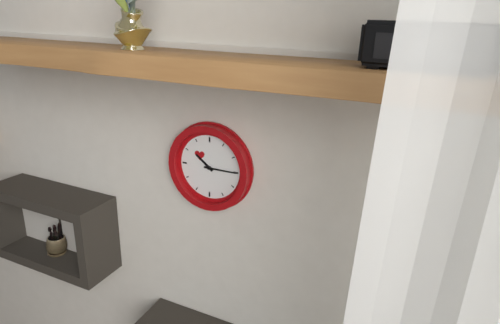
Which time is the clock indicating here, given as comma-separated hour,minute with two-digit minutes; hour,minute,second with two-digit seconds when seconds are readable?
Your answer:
10,15
